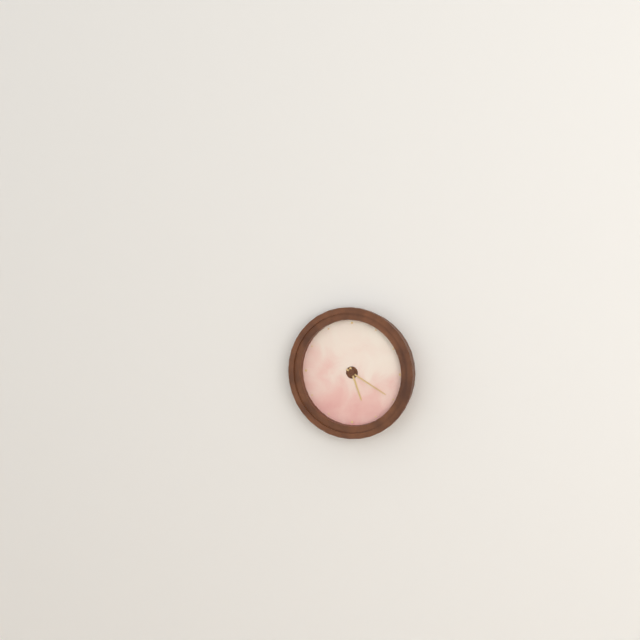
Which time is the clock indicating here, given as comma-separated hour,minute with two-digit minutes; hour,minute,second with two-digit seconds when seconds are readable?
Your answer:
5,20
